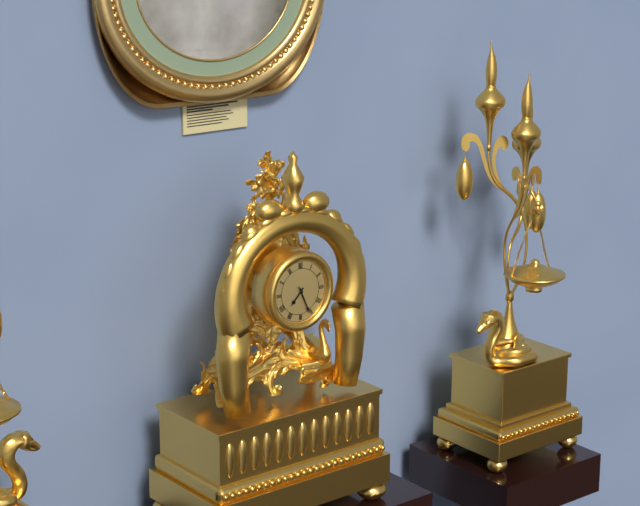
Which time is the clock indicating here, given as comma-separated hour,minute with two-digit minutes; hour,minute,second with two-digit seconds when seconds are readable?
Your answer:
7,26
